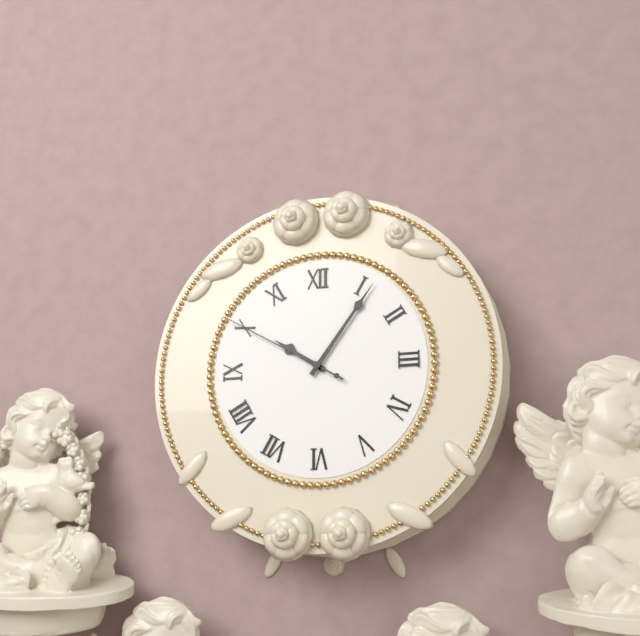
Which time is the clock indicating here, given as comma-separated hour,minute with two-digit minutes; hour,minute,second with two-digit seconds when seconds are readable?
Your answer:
10,06,50
